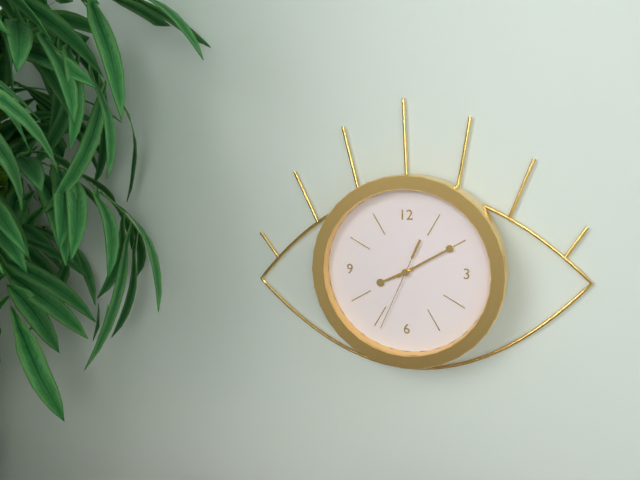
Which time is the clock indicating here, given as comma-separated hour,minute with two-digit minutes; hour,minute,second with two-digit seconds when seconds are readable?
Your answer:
8,10,34
